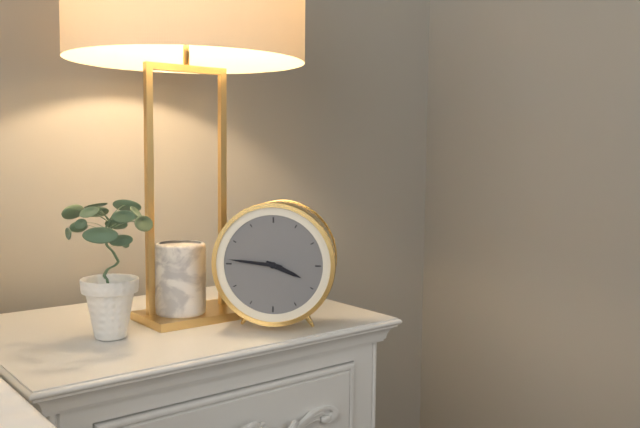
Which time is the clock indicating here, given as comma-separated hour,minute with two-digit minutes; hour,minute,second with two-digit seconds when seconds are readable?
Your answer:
3,46
